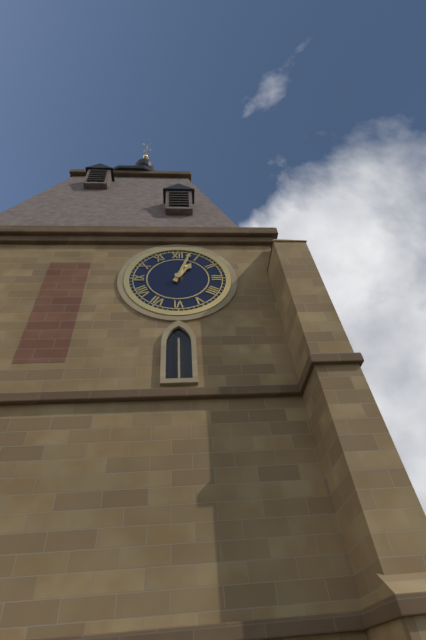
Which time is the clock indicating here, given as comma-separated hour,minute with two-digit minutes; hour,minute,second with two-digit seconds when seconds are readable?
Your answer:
1,03
